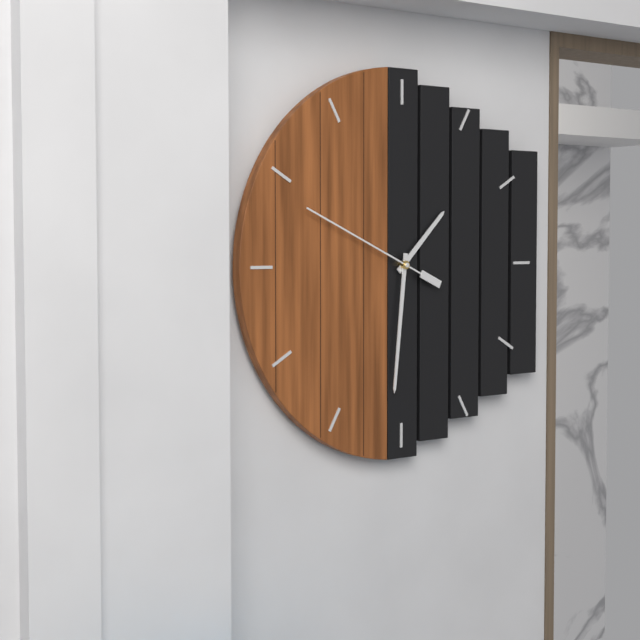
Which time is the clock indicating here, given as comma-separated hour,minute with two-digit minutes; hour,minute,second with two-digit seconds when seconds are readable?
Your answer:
1,31,49
